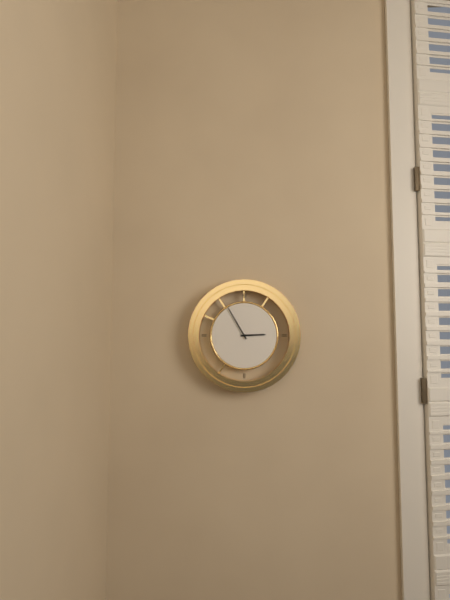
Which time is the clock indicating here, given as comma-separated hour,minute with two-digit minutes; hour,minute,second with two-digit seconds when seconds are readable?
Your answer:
2,55
